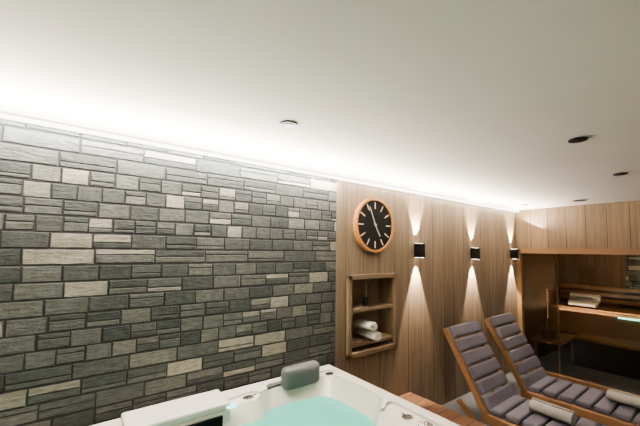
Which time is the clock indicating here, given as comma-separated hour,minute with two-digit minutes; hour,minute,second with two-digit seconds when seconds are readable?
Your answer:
4,56
